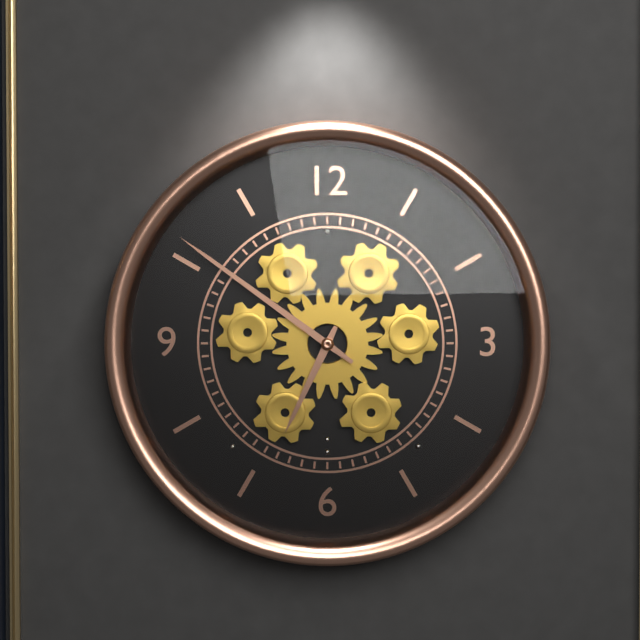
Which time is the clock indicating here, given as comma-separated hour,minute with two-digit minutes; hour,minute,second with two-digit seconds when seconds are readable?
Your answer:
6,51
